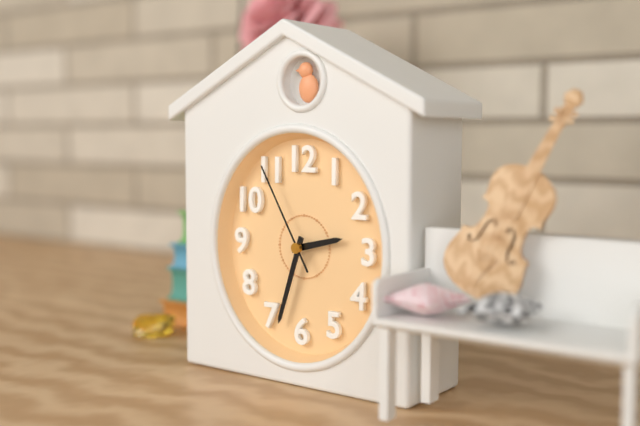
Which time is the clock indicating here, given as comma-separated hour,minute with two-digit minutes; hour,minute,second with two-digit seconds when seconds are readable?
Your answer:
2,33,55
